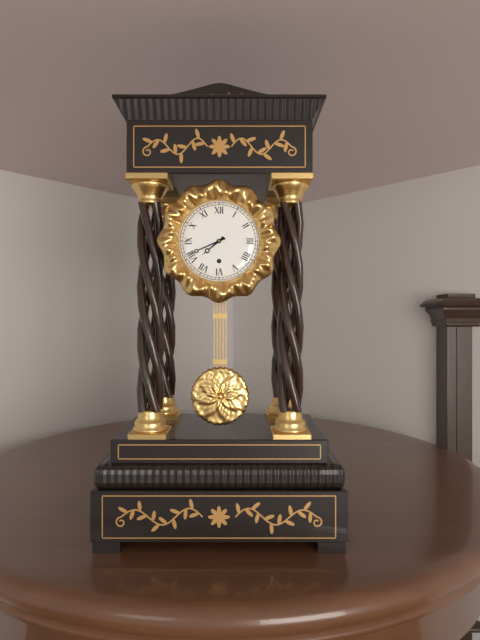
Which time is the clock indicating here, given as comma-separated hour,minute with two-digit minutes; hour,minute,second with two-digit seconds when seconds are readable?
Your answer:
7,41
